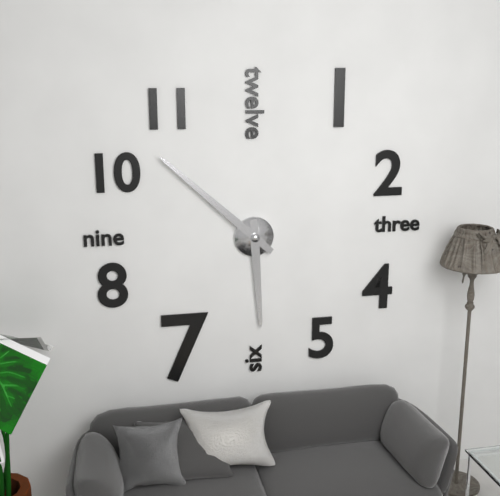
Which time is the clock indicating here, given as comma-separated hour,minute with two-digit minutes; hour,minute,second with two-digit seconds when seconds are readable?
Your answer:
5,52
